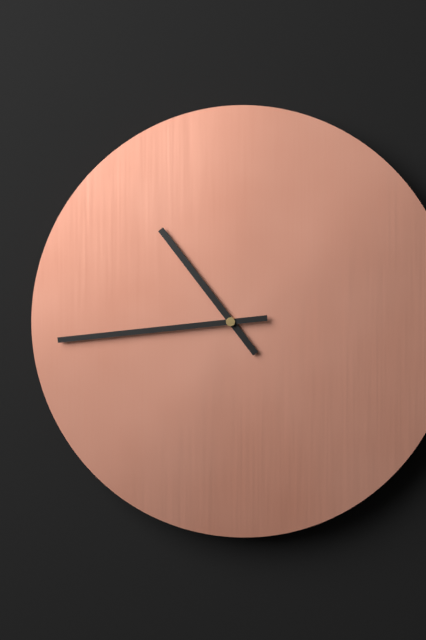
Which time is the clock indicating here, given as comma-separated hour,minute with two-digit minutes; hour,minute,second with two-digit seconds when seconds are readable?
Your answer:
10,44
